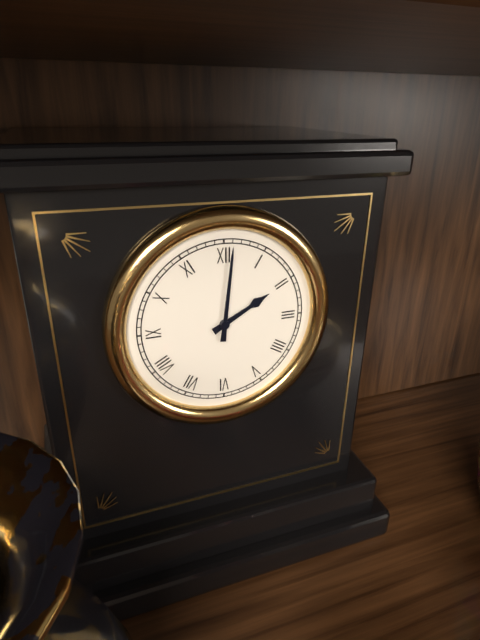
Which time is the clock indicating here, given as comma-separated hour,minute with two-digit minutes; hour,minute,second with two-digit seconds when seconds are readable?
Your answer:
2,01
